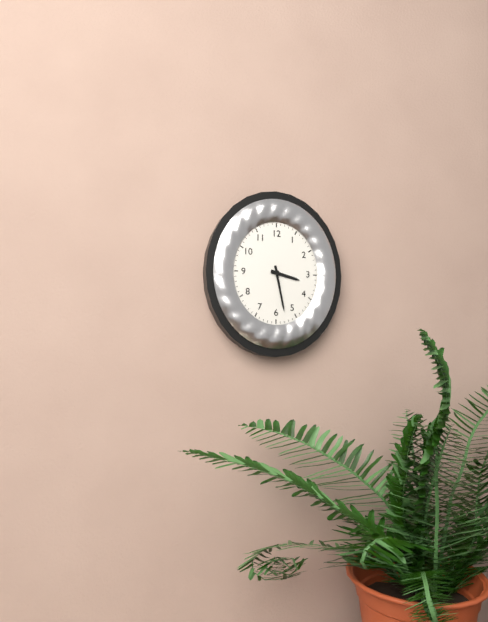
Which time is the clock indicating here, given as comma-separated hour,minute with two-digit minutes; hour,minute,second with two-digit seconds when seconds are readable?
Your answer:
3,28
